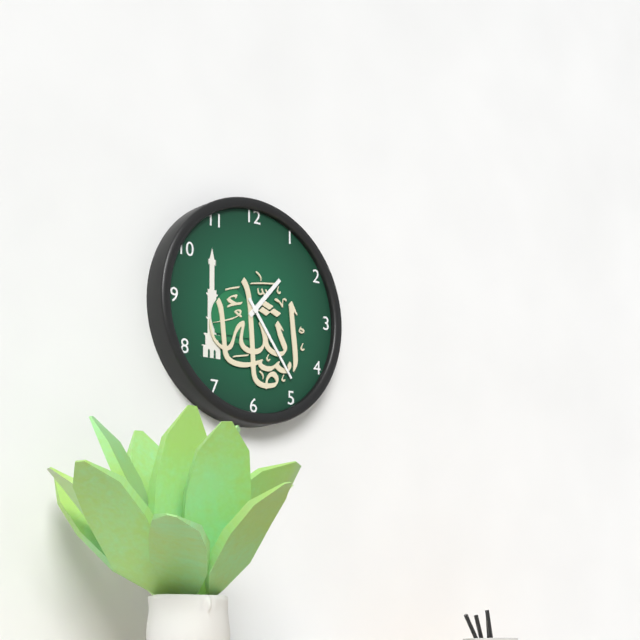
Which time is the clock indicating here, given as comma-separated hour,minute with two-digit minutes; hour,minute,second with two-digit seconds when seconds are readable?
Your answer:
1,24
